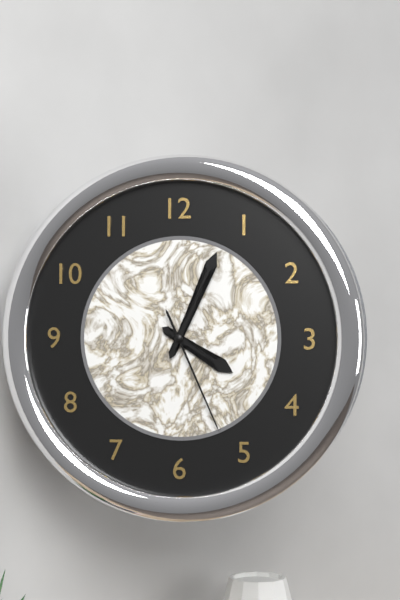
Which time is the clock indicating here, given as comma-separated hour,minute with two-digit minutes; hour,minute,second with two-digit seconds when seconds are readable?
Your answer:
4,04,26
